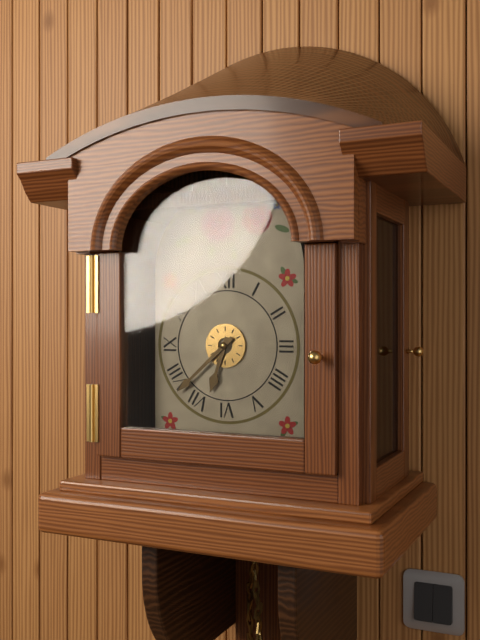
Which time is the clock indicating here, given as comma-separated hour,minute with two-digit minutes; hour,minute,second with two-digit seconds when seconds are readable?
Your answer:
6,38
